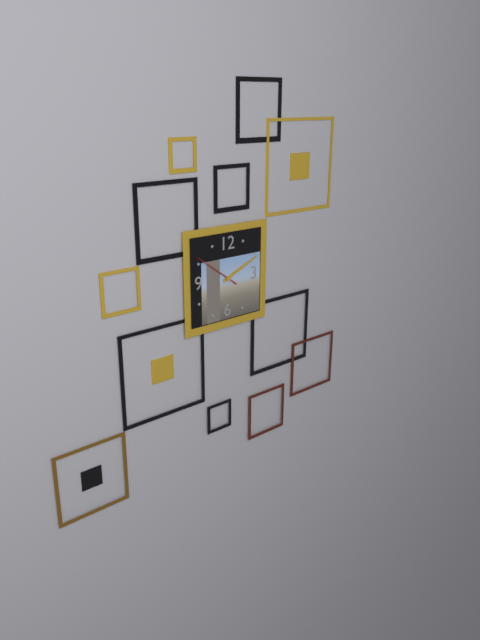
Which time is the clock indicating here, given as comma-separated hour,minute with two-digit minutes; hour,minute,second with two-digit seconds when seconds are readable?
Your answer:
2,11
